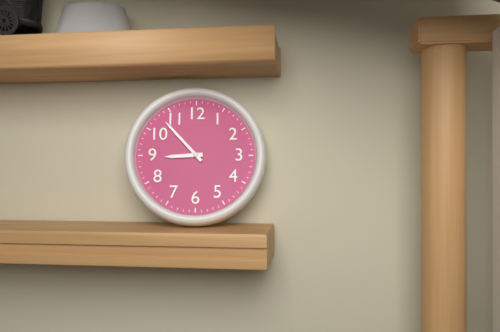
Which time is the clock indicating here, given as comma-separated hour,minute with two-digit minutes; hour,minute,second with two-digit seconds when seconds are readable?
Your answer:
8,53
